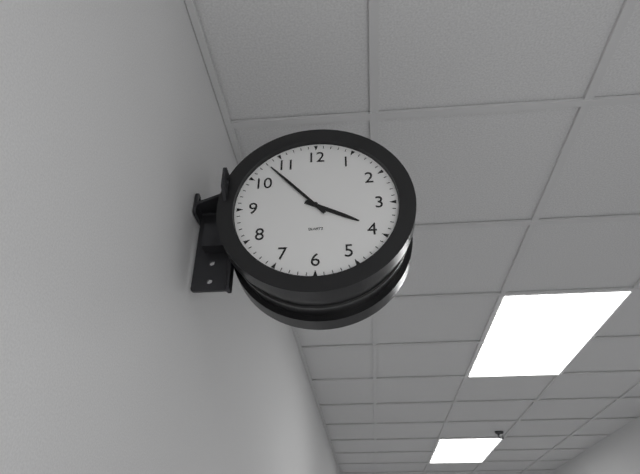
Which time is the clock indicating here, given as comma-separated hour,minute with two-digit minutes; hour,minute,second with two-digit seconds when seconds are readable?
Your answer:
3,53
